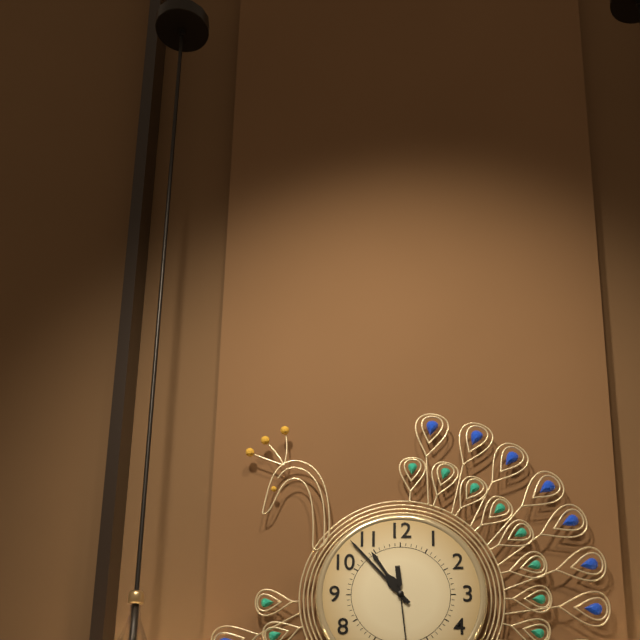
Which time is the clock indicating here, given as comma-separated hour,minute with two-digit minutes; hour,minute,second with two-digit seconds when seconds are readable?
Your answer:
10,53
